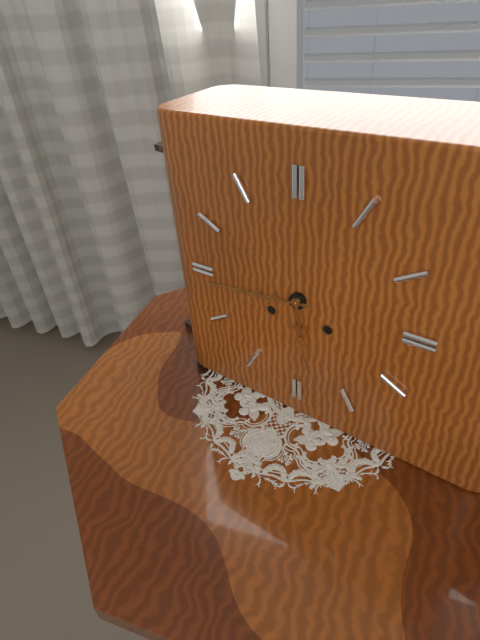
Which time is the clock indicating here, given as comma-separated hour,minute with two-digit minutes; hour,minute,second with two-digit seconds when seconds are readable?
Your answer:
5,44
